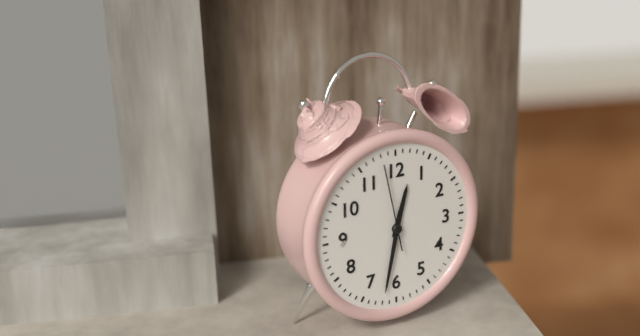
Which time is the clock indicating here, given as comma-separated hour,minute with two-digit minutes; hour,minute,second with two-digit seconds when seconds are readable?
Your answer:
12,32,58
